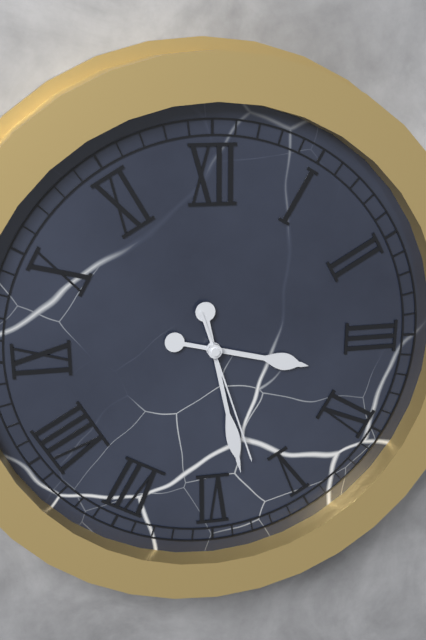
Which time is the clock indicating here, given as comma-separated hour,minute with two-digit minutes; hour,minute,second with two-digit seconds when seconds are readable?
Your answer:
3,28,27
